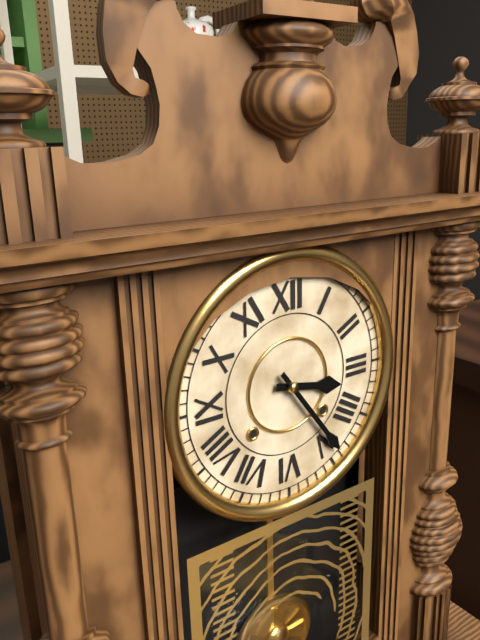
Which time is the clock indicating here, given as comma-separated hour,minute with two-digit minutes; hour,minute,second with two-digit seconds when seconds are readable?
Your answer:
3,24
